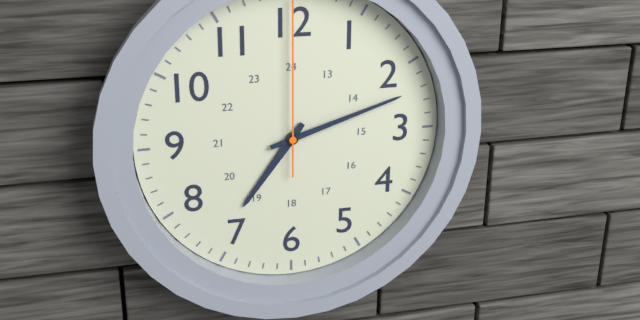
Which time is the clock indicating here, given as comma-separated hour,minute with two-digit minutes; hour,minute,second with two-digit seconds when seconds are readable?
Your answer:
7,12,00
